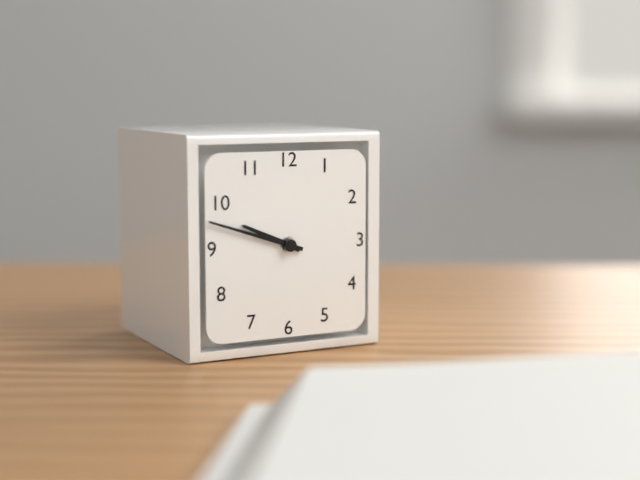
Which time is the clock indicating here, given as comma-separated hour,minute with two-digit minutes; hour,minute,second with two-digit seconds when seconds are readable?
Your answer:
9,48
